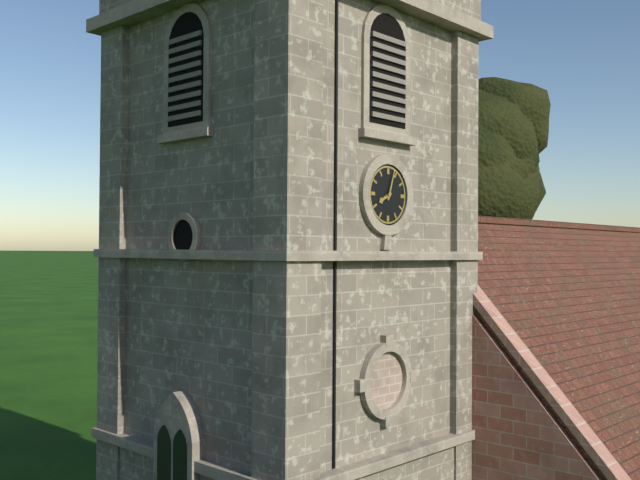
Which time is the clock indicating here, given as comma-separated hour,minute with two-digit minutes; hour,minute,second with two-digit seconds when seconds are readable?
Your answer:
8,03
